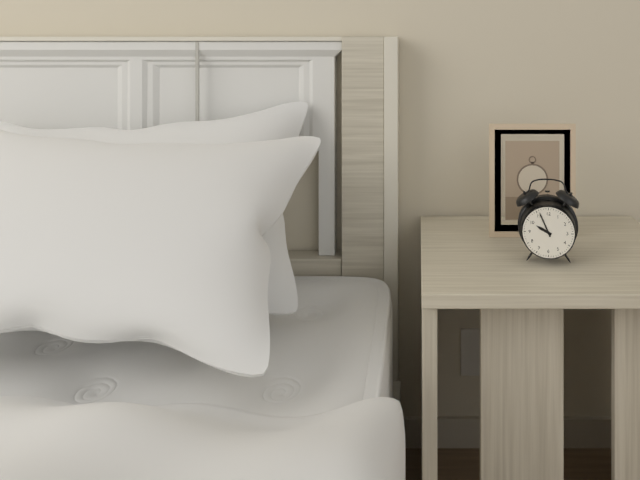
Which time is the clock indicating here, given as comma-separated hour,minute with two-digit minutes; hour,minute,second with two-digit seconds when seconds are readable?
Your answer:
9,56
